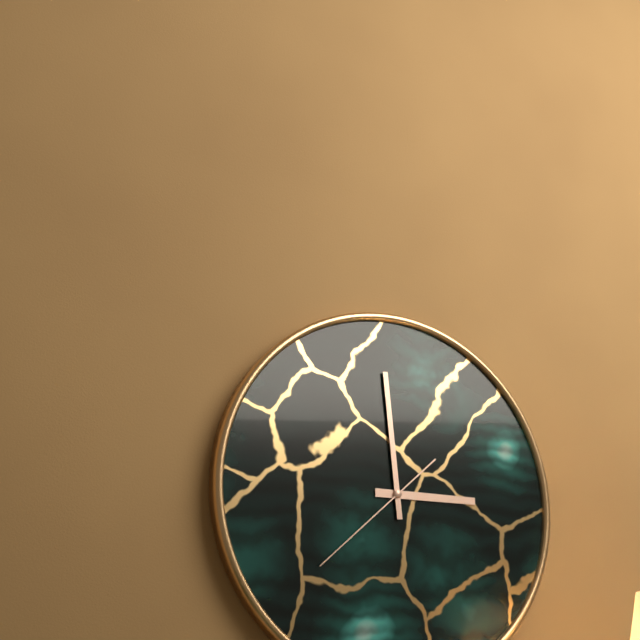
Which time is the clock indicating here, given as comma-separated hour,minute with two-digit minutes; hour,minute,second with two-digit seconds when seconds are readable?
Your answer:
2,59,38
